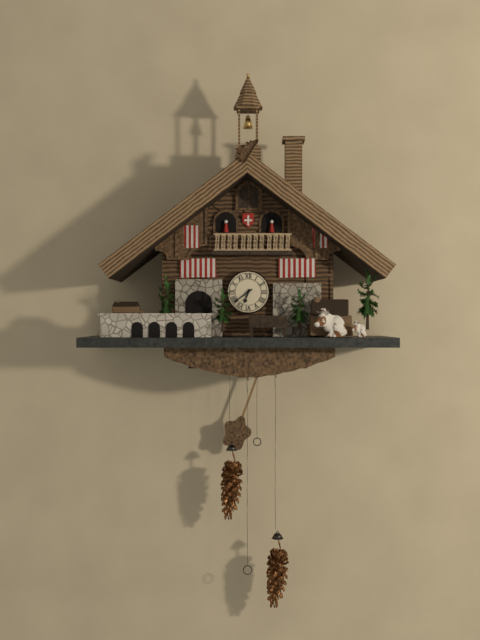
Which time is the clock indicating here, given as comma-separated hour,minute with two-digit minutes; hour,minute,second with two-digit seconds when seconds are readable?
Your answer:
6,39
